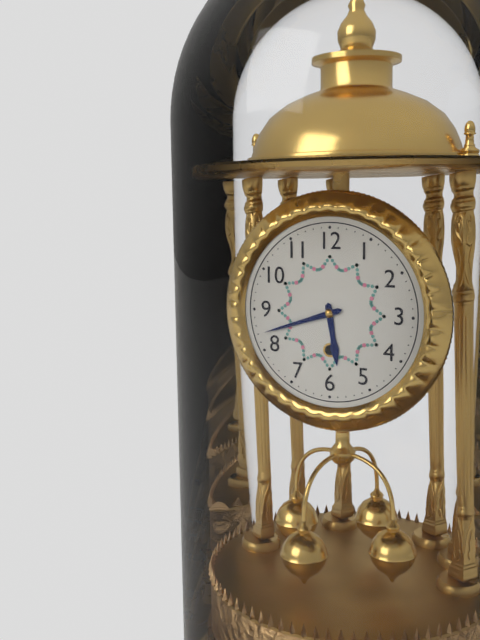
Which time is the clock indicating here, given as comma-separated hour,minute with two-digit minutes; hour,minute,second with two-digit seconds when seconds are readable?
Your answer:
5,42
